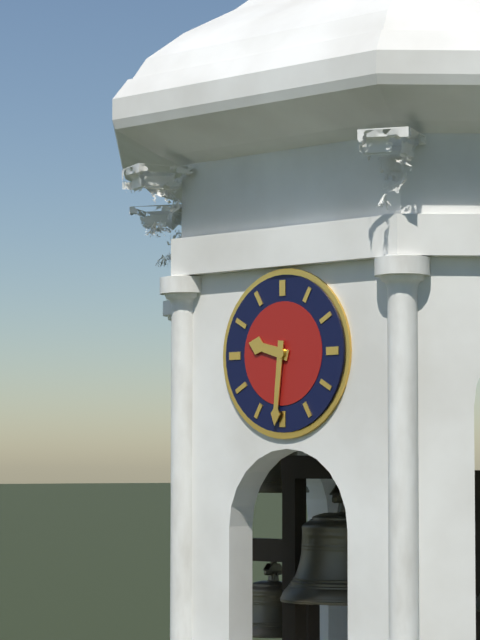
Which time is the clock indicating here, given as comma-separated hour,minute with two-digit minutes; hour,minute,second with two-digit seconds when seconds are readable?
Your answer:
9,31
